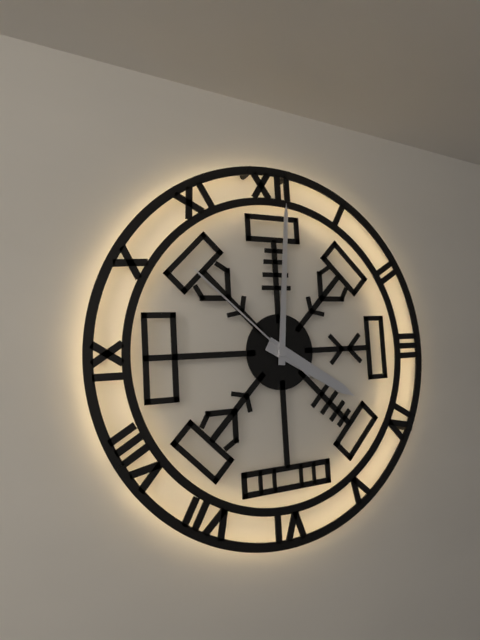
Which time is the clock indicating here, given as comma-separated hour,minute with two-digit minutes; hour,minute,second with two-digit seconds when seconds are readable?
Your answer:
4,01,52
